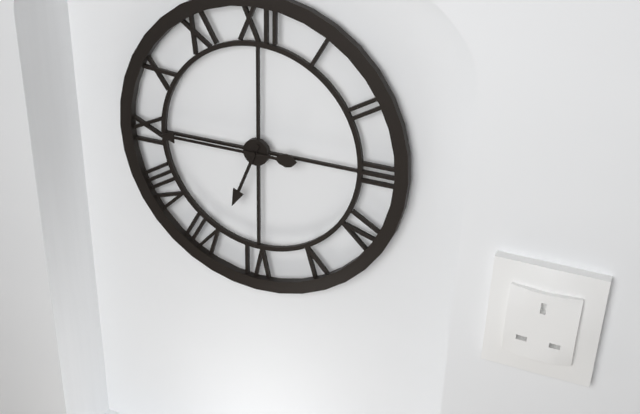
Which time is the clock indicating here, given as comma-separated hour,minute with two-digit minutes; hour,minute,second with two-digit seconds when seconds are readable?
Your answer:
6,45
